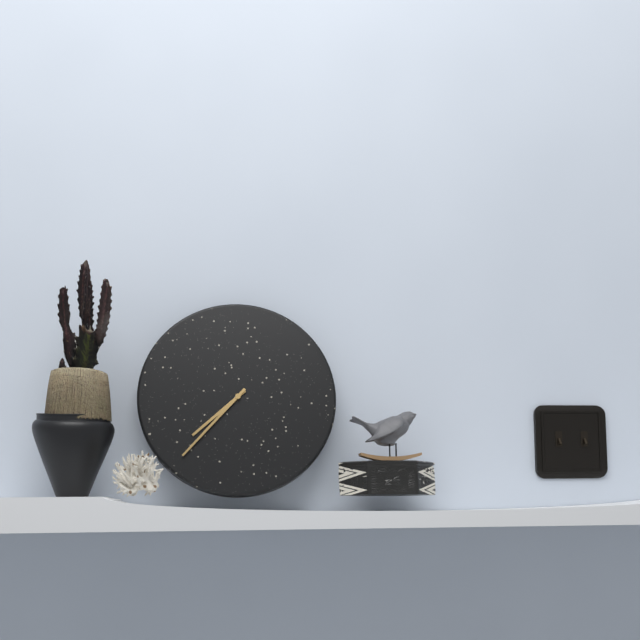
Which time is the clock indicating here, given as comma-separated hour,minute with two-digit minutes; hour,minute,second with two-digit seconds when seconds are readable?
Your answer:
7,37
